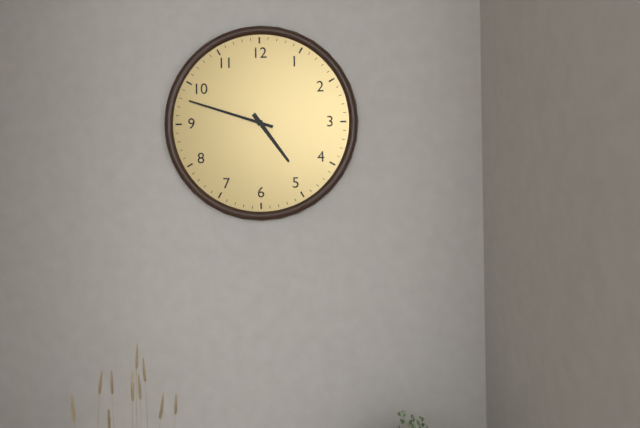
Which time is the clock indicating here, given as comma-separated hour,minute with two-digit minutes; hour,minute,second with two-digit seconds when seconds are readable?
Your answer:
4,48
